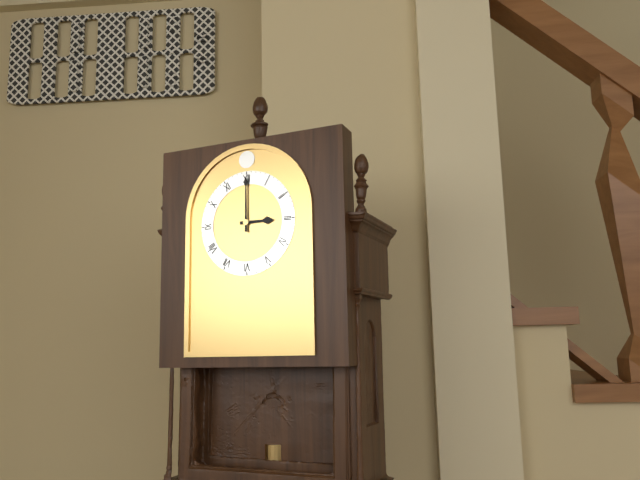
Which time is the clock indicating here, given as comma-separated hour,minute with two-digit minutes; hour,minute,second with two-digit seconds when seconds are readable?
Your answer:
3,00
